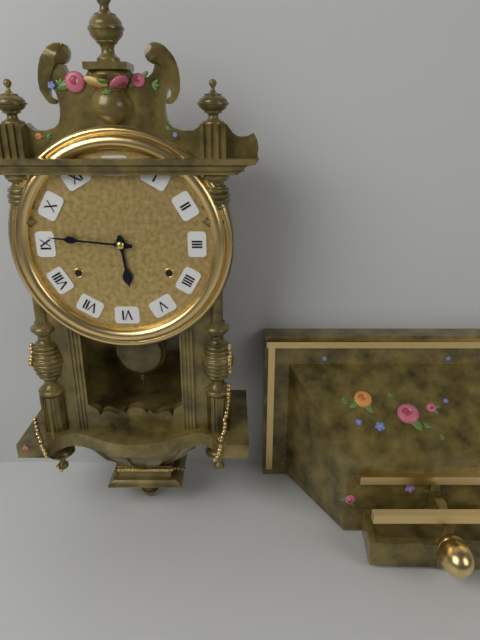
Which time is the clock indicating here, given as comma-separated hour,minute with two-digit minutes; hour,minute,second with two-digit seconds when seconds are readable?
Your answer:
5,46
